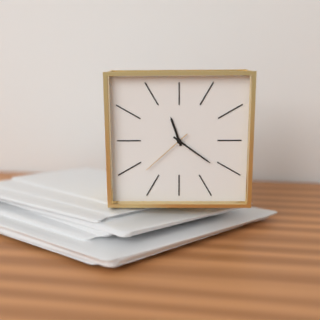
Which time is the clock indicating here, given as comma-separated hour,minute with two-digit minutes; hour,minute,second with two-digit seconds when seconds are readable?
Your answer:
11,21,38
